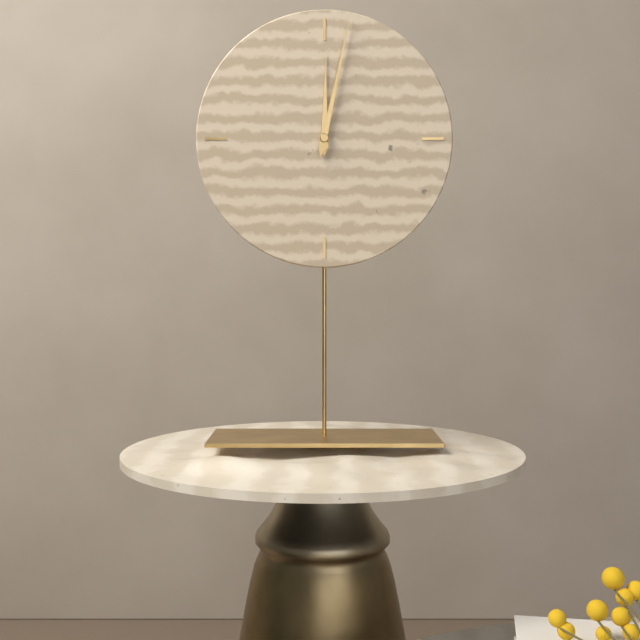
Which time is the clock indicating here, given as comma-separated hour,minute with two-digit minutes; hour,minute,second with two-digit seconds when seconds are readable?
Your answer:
12,02
